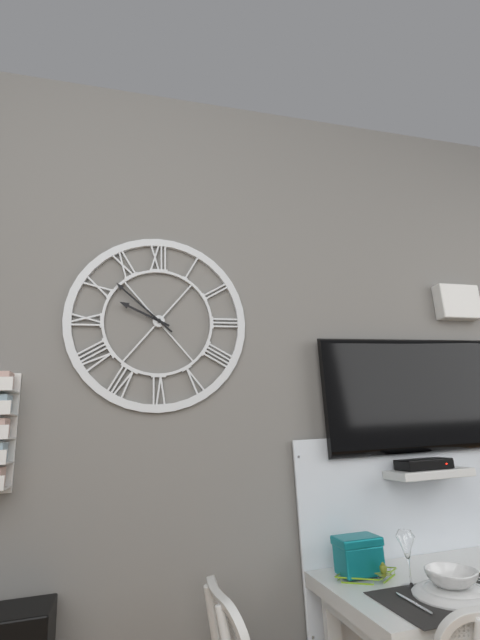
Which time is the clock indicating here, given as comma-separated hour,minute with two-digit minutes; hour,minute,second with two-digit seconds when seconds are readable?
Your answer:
9,52
